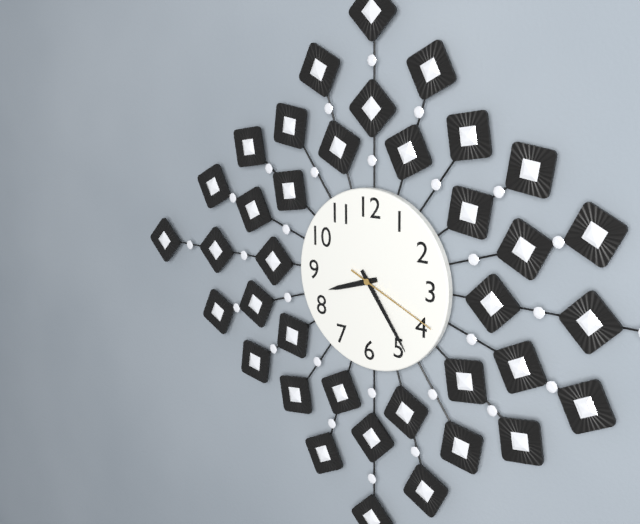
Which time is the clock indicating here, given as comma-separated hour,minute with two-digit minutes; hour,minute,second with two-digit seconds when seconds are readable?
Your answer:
8,24,19
